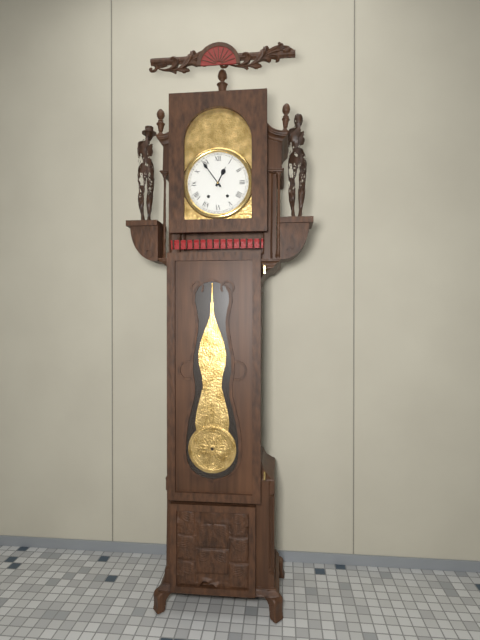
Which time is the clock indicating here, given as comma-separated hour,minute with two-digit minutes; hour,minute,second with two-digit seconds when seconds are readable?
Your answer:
12,54
